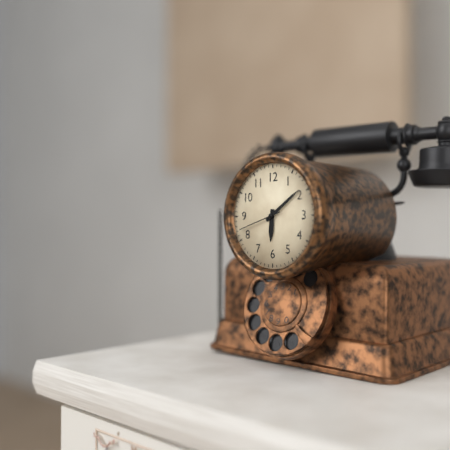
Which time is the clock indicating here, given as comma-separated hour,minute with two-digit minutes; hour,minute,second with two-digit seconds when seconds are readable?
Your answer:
6,09
